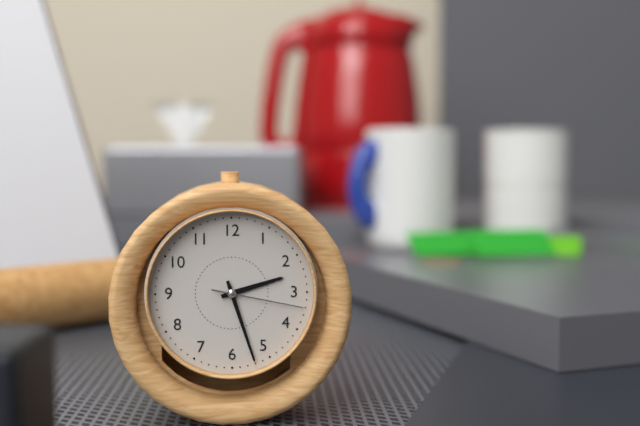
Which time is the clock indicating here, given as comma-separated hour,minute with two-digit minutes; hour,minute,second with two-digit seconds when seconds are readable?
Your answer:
2,27,17
